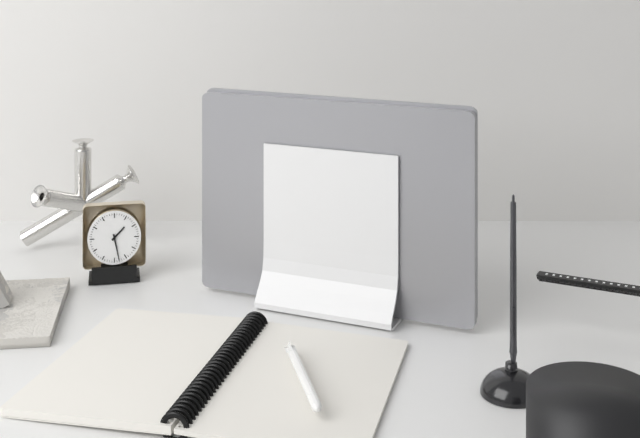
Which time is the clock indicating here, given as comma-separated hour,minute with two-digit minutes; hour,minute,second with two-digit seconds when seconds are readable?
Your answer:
1,28
